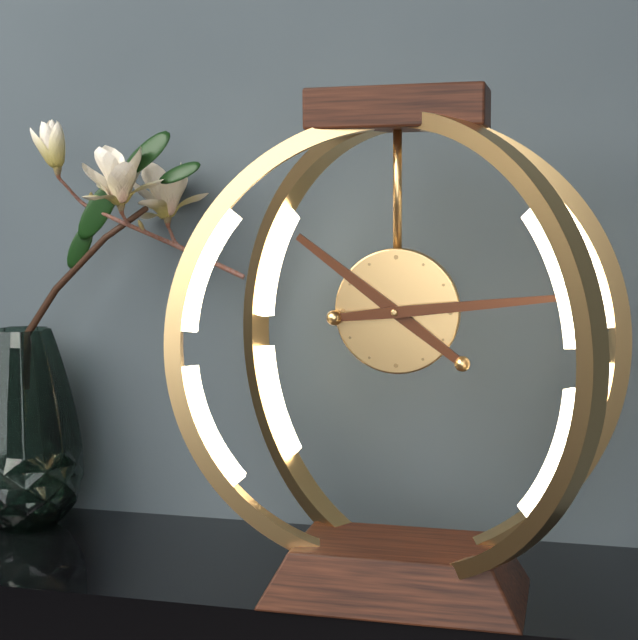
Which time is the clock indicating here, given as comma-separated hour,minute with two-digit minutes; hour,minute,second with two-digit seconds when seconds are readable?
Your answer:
10,14
